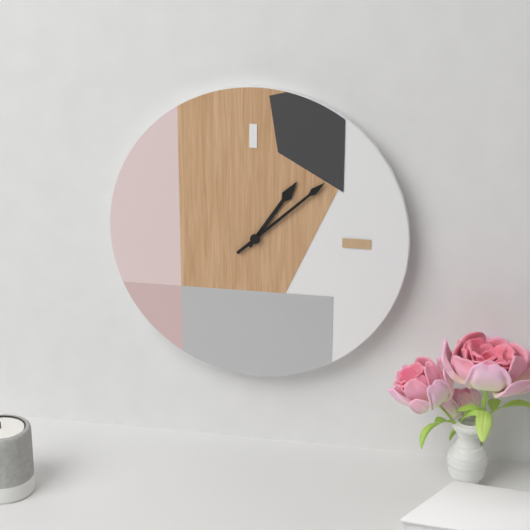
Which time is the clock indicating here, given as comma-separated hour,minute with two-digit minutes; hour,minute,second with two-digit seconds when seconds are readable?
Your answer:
1,08
